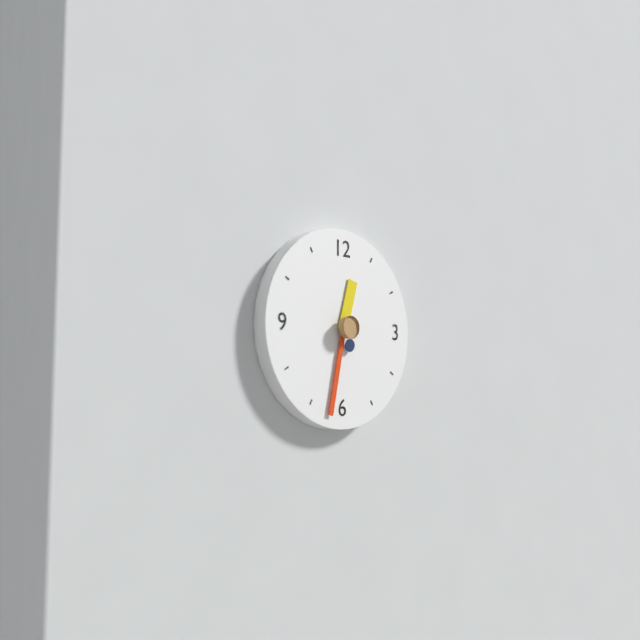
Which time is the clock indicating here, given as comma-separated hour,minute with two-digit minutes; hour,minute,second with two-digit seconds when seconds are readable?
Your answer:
12,32
